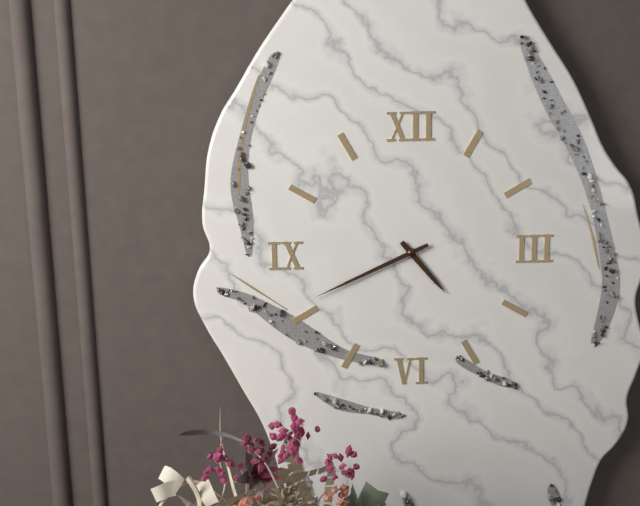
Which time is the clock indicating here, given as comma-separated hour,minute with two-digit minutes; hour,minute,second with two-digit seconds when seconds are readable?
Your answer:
4,41
